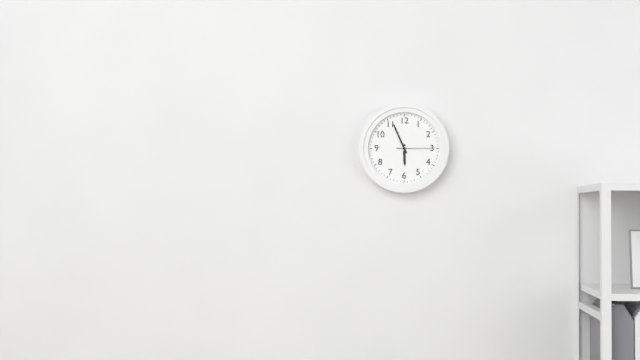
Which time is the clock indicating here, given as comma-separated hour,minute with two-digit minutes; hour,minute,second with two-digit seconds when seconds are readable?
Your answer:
5,56
